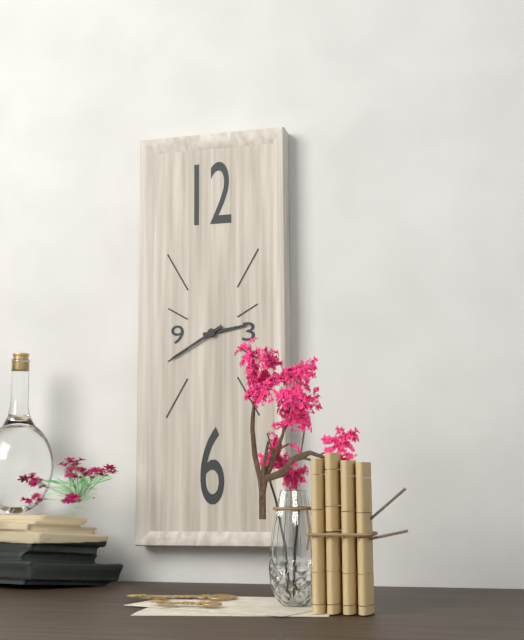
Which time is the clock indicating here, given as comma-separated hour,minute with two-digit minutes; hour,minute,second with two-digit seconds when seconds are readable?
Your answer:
2,40
